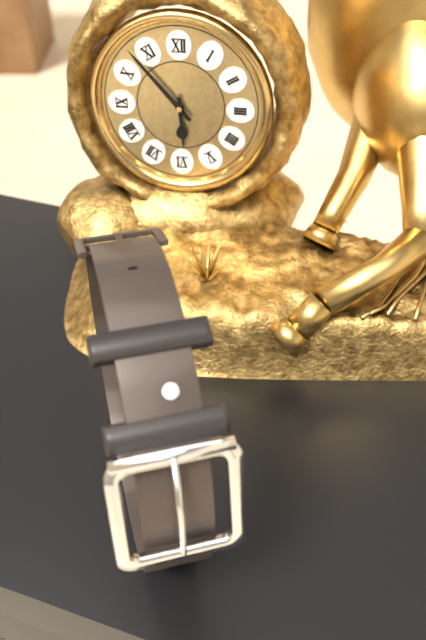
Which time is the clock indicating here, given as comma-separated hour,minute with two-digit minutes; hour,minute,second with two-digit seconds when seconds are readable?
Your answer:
5,53
